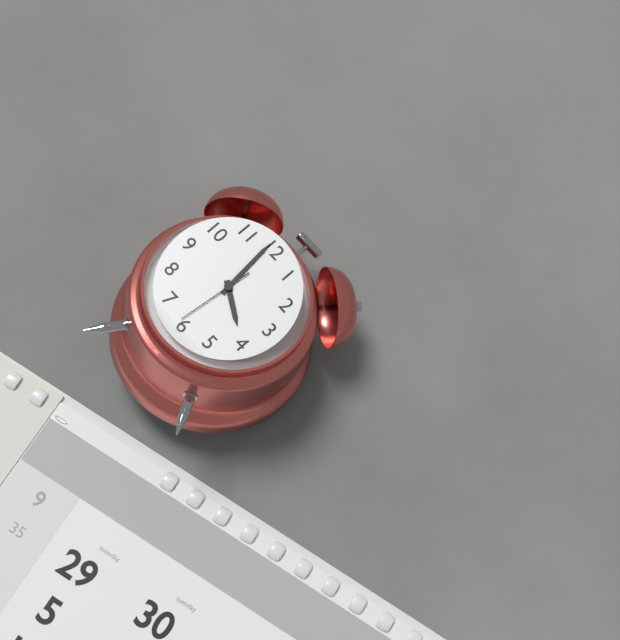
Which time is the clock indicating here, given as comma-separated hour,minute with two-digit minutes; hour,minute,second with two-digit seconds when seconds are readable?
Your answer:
3,59,31
